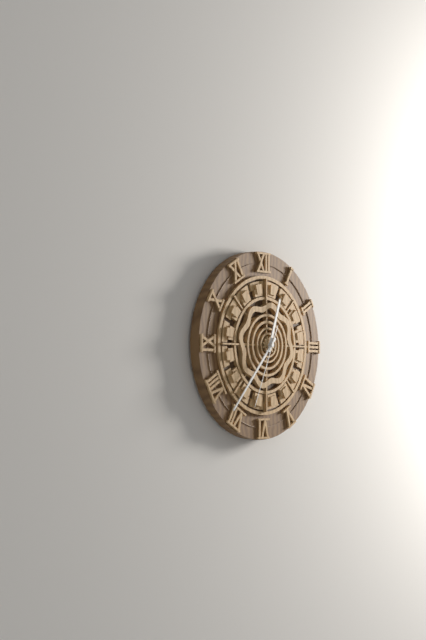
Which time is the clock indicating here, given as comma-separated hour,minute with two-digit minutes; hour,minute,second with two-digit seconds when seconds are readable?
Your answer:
12,37,34
